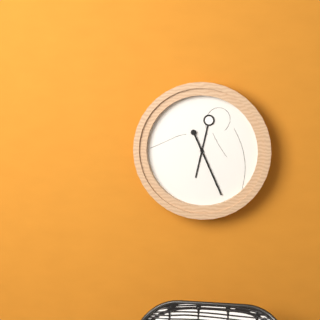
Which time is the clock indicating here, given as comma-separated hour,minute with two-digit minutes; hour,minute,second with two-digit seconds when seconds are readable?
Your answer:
6,26
